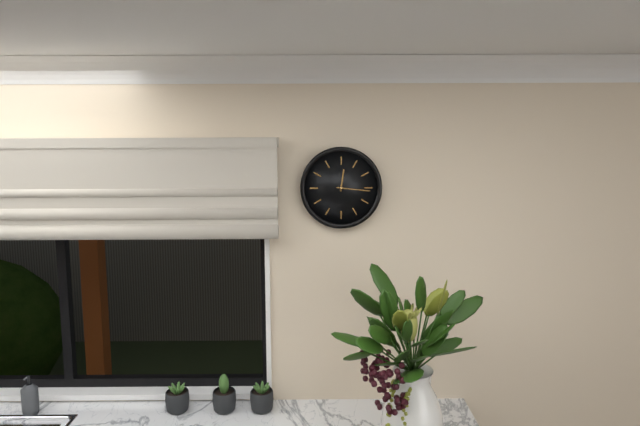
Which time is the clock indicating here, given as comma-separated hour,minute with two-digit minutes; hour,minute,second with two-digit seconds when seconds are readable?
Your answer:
12,16
